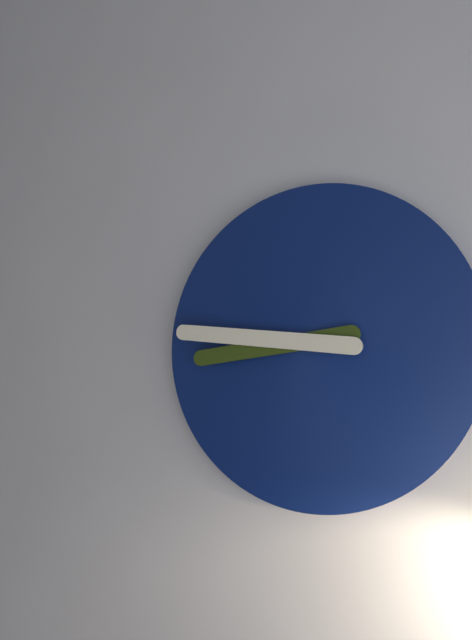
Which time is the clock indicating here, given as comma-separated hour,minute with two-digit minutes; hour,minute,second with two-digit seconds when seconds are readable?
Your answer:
8,46
